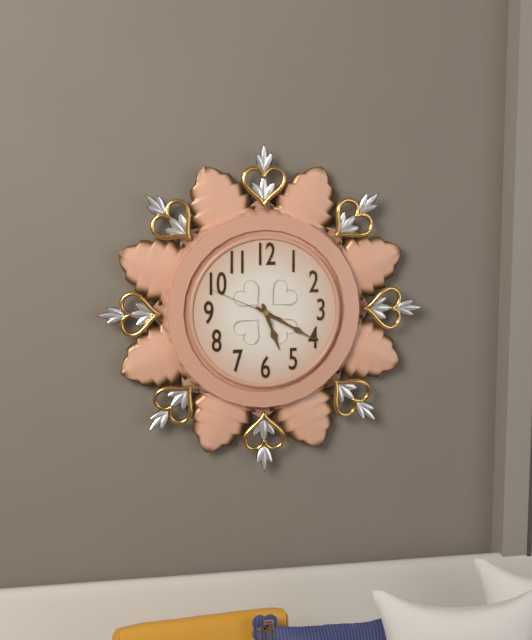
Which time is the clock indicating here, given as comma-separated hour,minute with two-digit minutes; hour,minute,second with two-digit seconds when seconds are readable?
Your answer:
5,20,49
